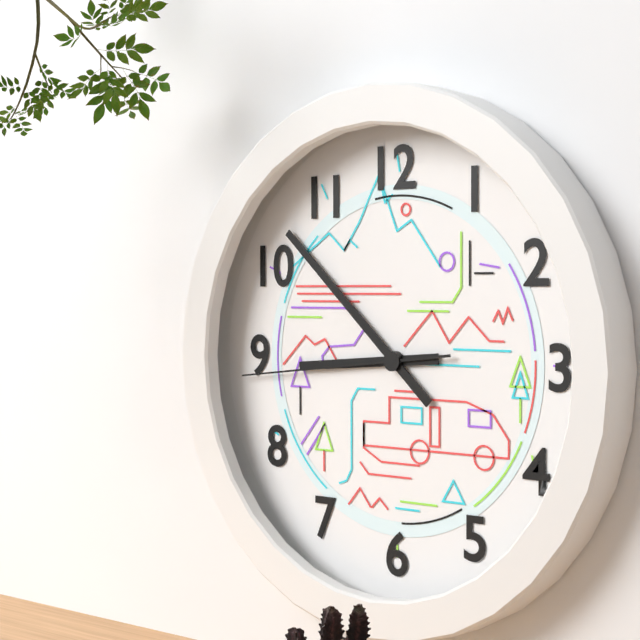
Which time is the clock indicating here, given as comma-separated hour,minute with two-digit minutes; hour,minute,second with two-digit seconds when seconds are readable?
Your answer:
8,52,44
